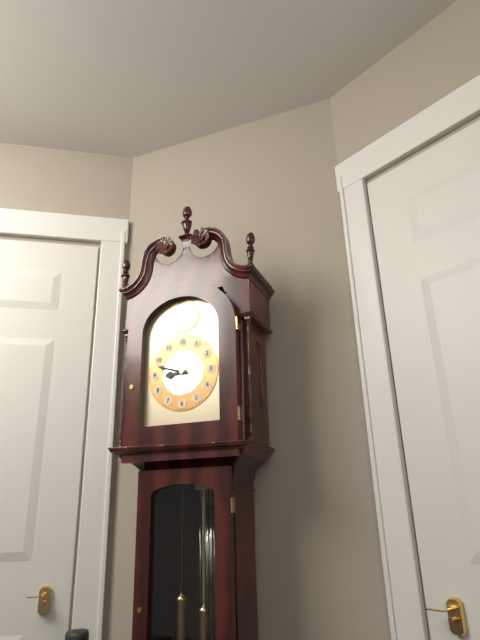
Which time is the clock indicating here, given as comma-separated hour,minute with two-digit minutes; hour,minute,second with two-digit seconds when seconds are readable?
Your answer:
8,48
